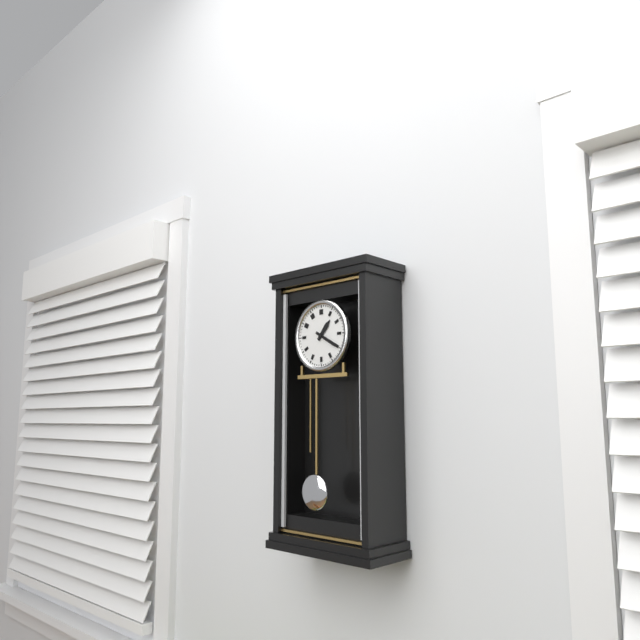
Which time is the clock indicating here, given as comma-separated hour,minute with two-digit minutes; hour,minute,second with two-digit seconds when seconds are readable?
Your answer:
1,20
